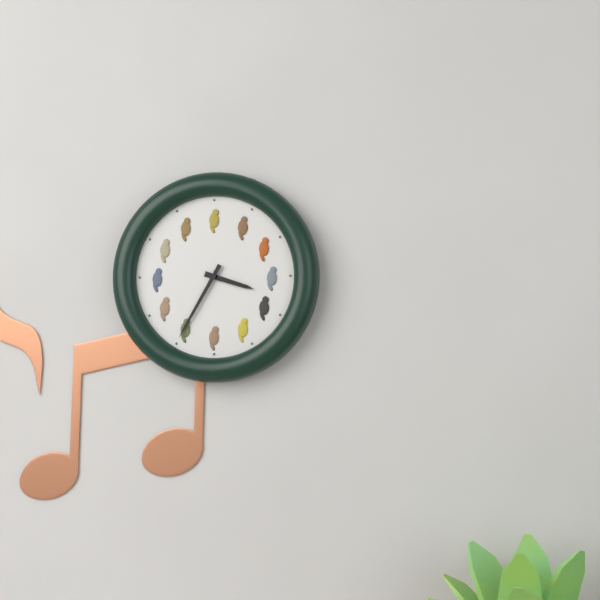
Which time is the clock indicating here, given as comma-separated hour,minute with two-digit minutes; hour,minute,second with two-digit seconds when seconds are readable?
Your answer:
3,35
